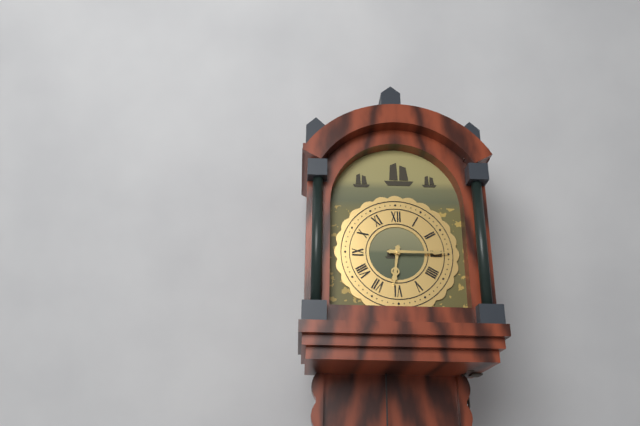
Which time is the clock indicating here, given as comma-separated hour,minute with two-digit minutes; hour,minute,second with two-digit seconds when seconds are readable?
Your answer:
6,15
